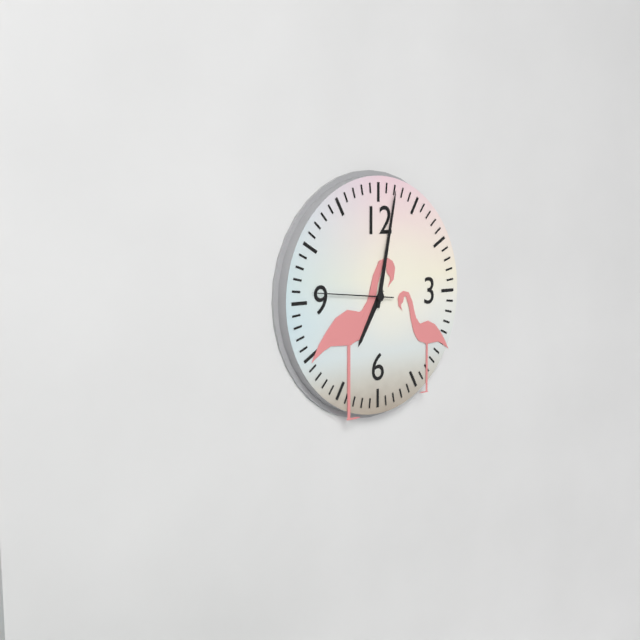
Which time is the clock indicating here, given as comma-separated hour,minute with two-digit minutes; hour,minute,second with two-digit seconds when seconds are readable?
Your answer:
7,02,46
